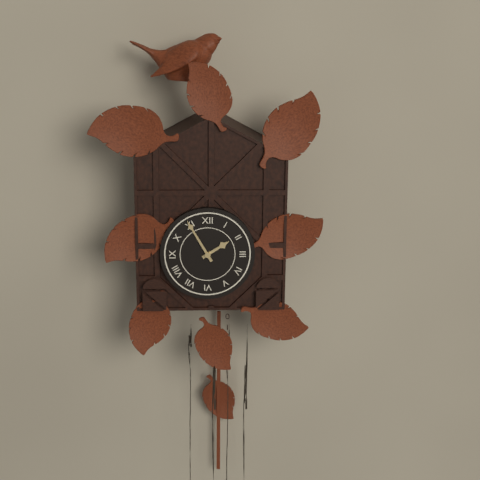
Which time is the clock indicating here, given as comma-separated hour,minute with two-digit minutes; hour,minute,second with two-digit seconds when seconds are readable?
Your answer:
1,55
